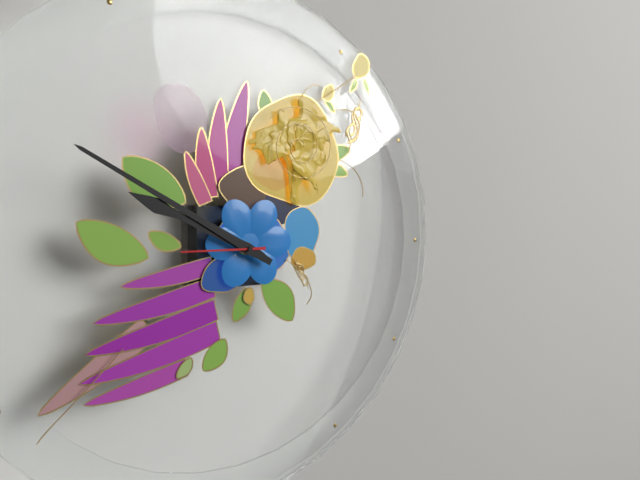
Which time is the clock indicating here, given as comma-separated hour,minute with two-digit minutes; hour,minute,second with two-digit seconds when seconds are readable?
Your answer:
9,50,45
